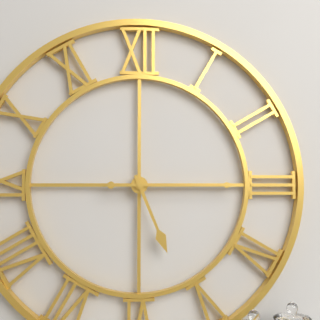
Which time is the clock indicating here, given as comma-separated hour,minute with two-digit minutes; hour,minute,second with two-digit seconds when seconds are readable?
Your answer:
5,15
